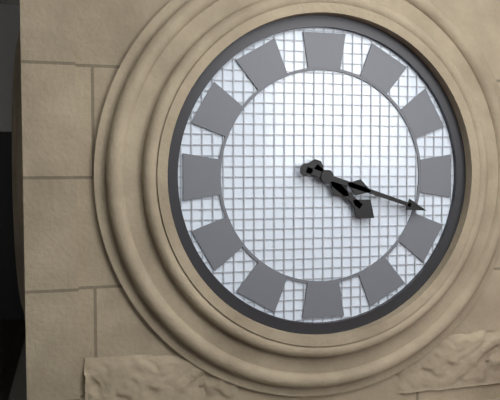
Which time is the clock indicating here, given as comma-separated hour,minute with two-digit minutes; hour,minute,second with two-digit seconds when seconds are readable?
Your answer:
4,18
